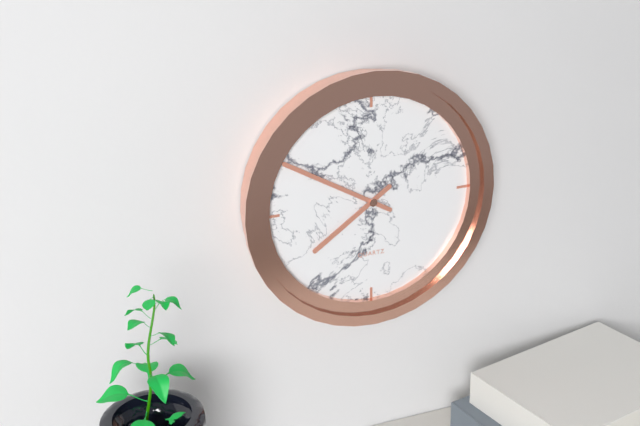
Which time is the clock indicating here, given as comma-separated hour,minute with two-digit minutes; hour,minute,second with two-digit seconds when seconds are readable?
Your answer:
7,50
